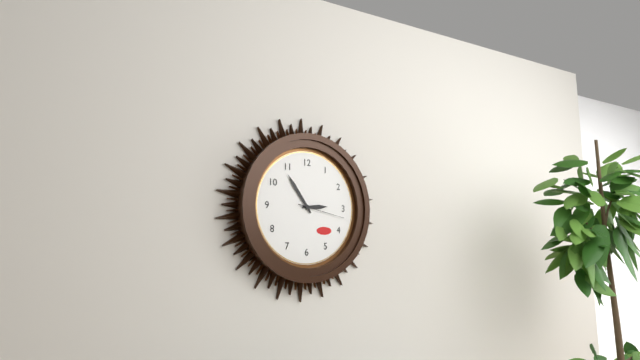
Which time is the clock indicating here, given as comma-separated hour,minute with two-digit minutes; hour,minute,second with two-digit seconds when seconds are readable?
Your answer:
2,54
